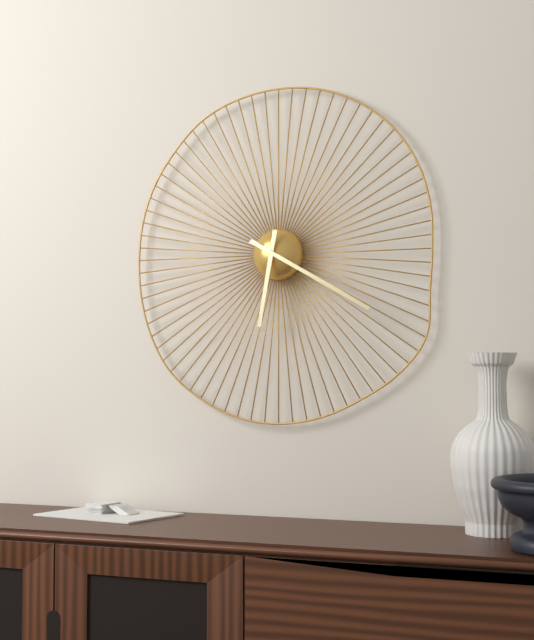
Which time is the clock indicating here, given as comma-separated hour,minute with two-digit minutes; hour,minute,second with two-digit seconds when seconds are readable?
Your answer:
6,20
